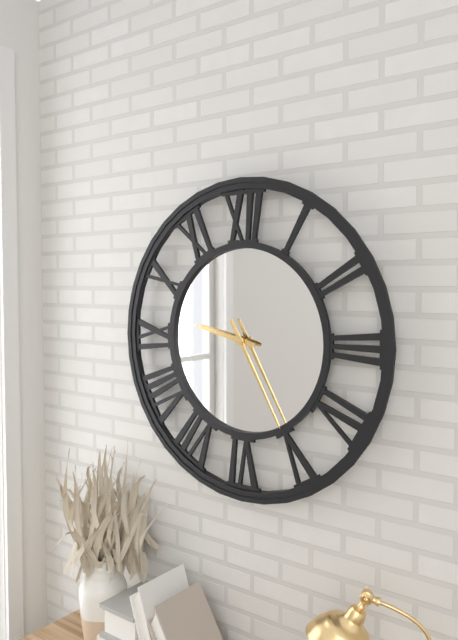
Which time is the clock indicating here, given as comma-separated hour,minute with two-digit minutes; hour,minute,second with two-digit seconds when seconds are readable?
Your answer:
9,25
